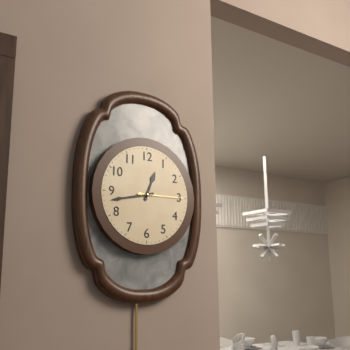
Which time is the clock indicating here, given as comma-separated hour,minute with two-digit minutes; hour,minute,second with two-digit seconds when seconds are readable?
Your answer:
12,43
